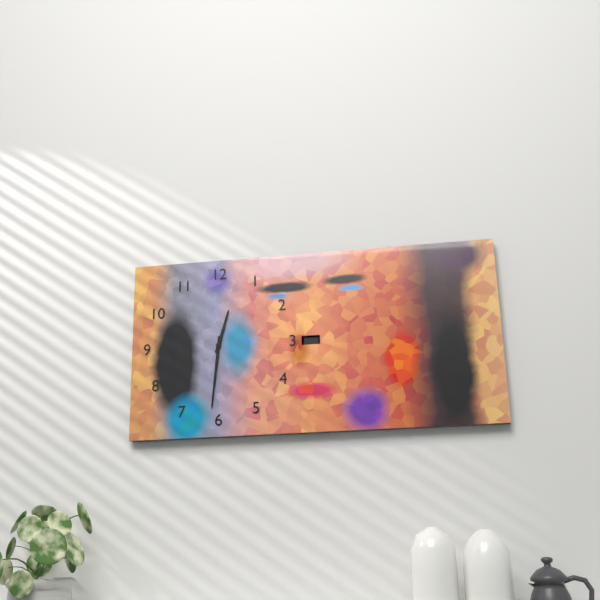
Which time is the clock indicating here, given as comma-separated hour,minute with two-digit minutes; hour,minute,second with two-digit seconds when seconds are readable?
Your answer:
12,31
